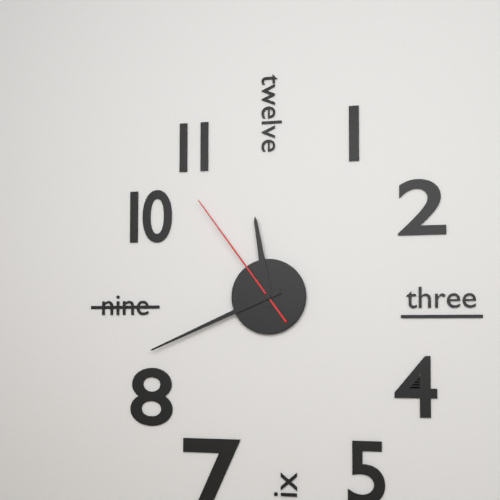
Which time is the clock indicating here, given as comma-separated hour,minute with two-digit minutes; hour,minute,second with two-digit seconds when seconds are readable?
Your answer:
11,41,54
